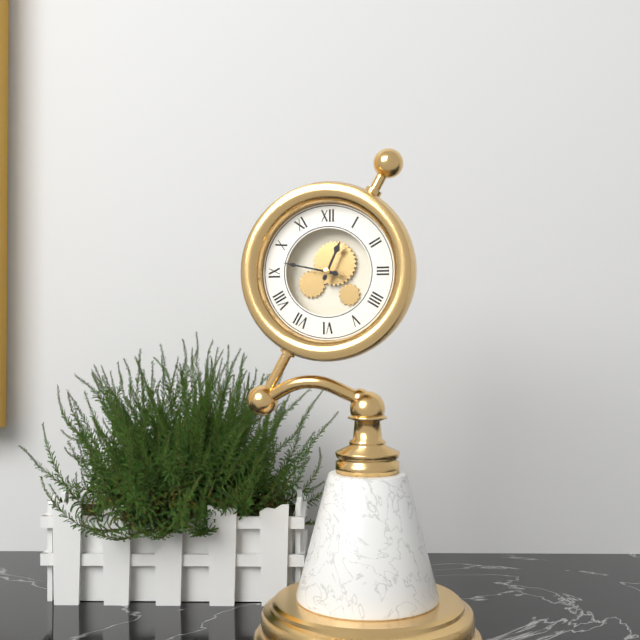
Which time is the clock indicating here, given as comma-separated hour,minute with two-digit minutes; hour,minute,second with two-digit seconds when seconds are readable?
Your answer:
12,47
